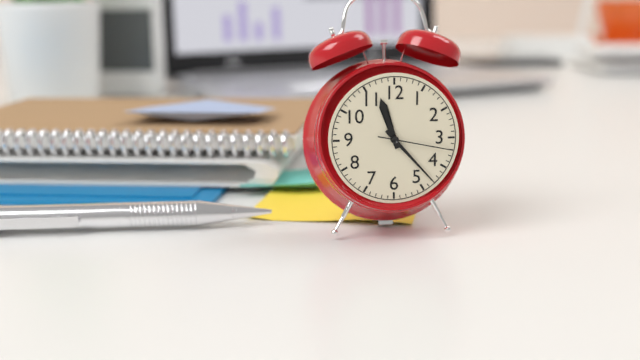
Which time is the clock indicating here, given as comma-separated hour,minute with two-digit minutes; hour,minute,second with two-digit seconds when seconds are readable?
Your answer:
11,23,17
